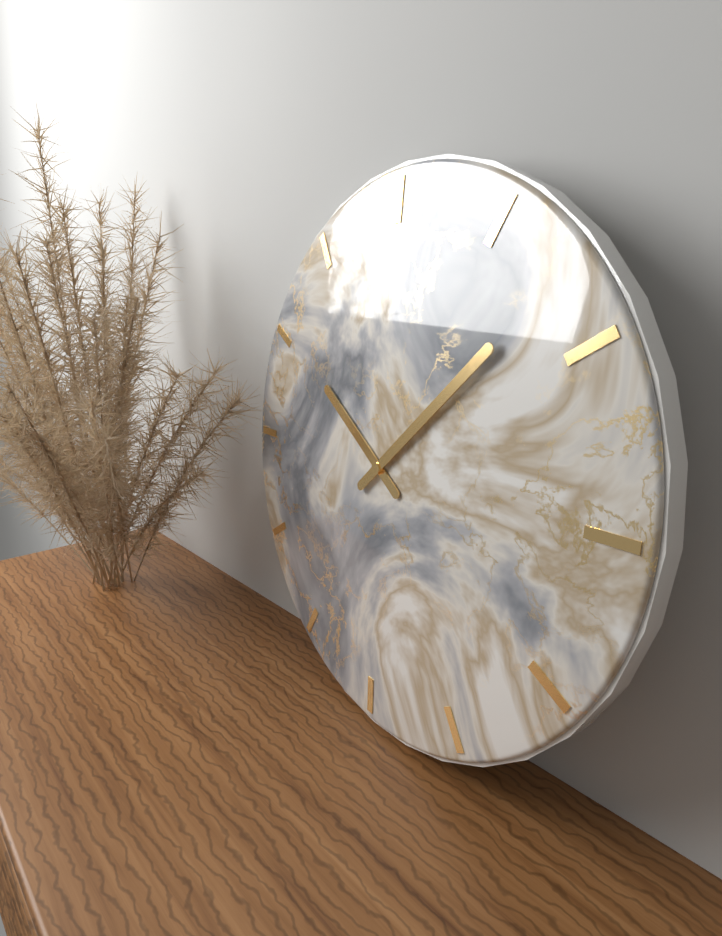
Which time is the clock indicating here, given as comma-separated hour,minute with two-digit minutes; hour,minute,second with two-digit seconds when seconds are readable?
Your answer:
10,08
